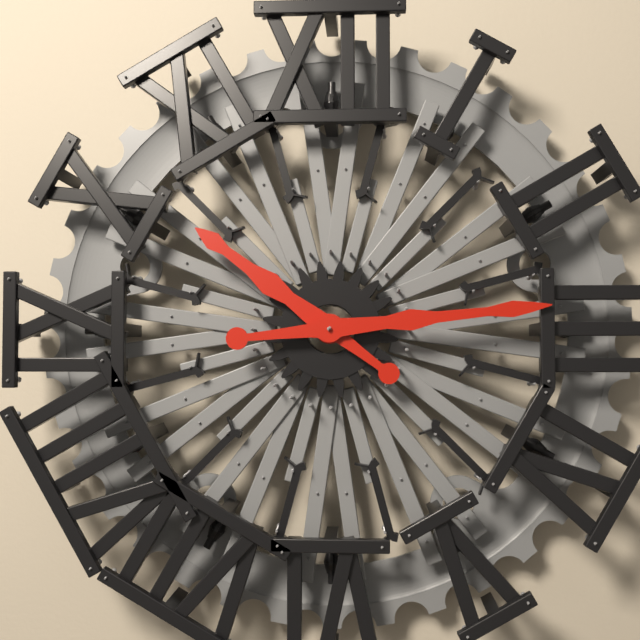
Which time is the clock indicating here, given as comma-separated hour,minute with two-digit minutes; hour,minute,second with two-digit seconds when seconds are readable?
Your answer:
10,14
